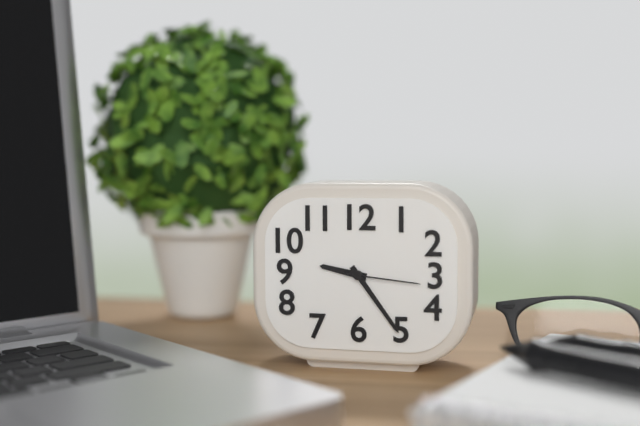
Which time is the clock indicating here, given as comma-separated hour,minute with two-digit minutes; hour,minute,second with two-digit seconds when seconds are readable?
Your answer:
9,24,16
